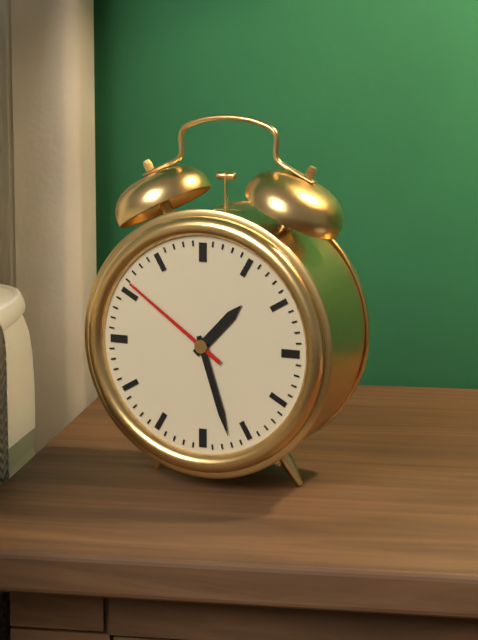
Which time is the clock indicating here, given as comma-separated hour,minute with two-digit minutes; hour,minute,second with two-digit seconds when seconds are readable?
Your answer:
1,27,51
